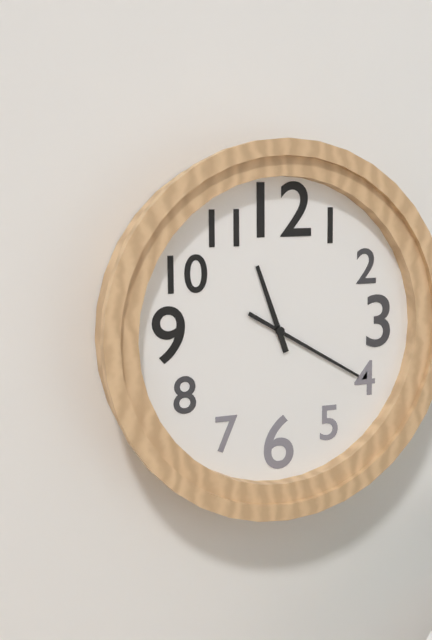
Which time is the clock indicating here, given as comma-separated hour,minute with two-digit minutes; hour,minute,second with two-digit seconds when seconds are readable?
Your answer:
11,20
